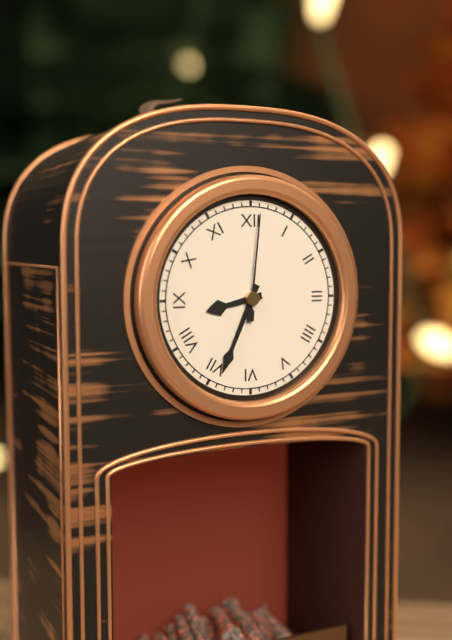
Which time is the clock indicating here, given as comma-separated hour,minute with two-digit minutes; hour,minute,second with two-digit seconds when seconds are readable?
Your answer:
8,34,01
